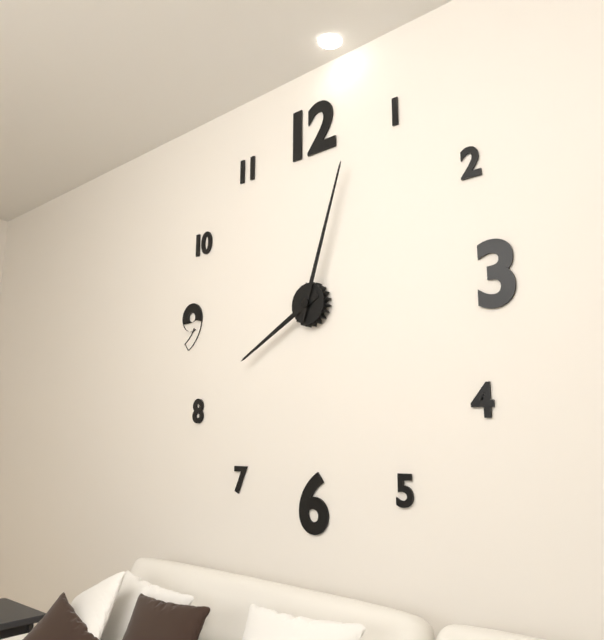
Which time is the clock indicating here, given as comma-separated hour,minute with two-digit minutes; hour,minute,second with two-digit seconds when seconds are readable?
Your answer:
8,03
